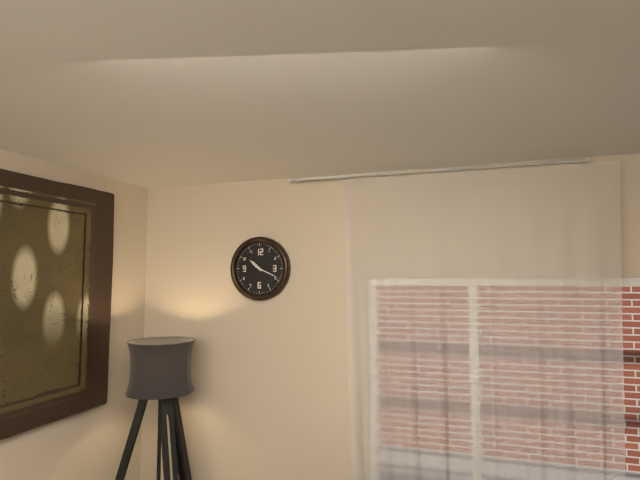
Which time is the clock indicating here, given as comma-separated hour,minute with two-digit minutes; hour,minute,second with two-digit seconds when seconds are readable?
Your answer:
10,19
